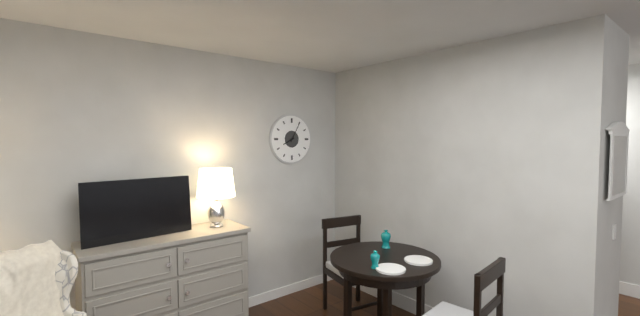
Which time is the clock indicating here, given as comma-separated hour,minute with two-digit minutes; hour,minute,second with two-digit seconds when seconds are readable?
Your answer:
8,05
